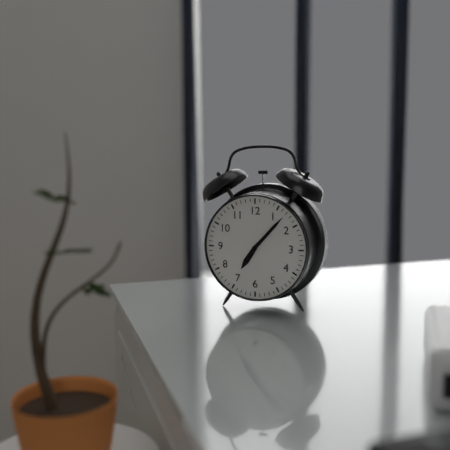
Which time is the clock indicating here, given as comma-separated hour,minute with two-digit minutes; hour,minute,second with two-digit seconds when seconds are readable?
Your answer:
7,07
